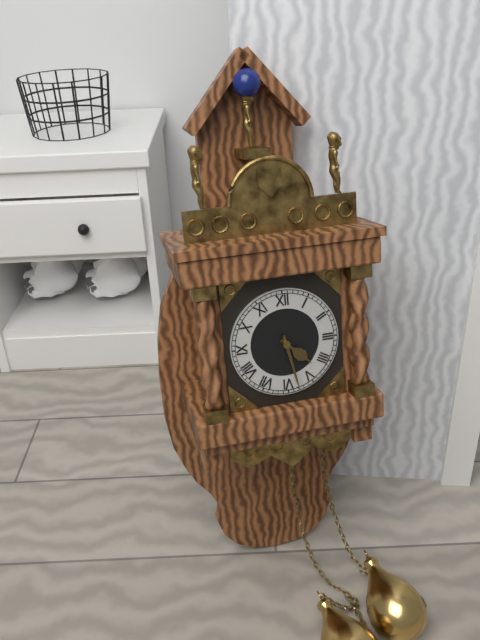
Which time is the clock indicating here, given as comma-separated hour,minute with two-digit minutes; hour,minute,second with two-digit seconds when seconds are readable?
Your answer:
4,28
